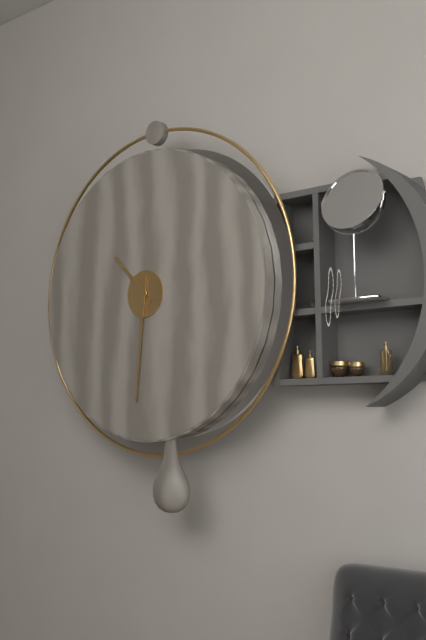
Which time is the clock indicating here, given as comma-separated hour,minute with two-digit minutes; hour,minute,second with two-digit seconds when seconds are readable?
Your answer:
10,31
